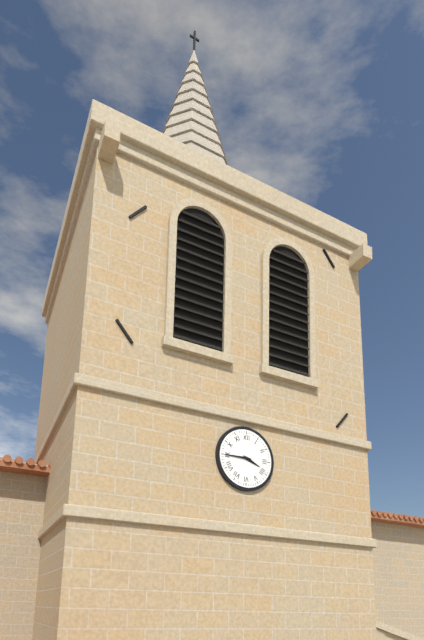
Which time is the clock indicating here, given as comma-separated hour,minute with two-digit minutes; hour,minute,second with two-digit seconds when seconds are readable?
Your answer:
3,45
